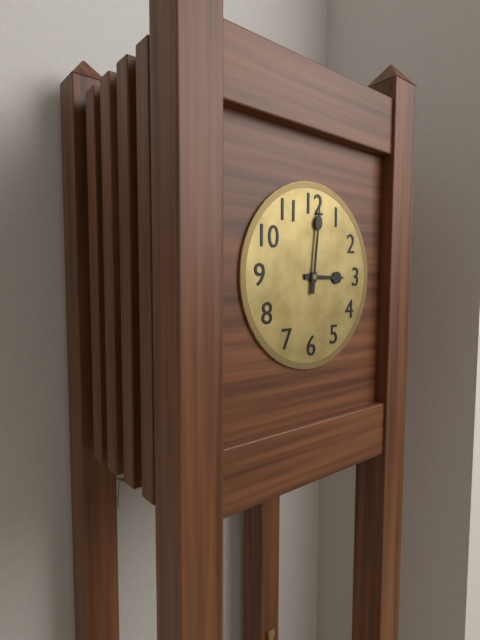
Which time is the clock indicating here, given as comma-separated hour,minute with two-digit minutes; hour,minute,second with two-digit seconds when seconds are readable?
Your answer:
3,01
